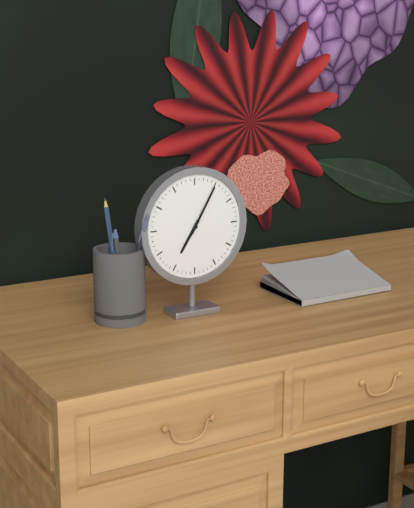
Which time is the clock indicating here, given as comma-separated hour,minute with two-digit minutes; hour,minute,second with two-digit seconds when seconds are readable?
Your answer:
7,05
